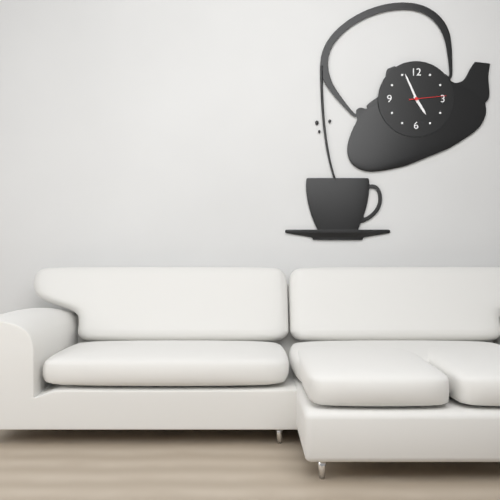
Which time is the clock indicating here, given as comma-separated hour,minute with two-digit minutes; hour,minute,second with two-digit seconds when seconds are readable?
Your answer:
4,56
